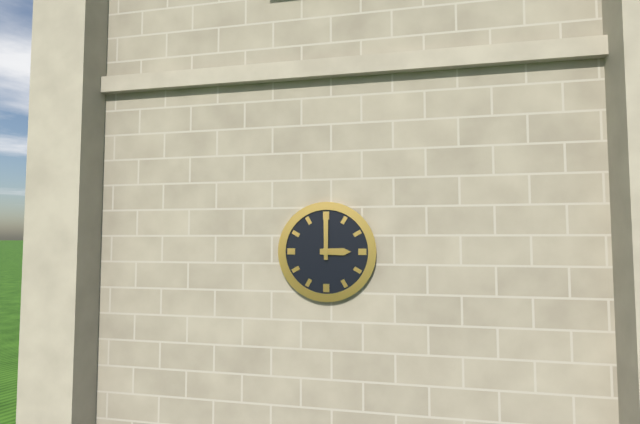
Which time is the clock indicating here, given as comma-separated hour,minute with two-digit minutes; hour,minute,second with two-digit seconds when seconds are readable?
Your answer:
3,00
